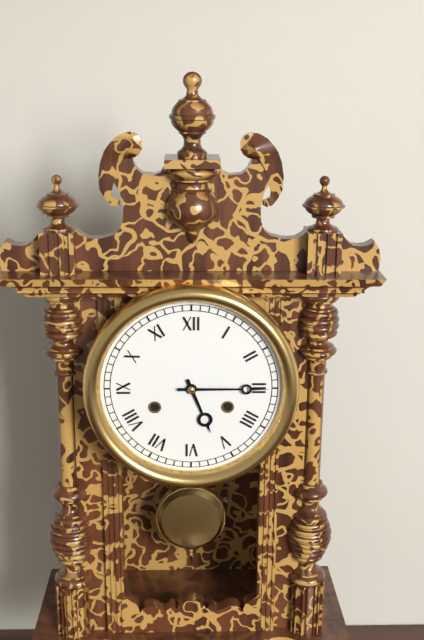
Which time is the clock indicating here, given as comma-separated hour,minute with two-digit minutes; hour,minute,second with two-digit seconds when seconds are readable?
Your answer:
5,15
